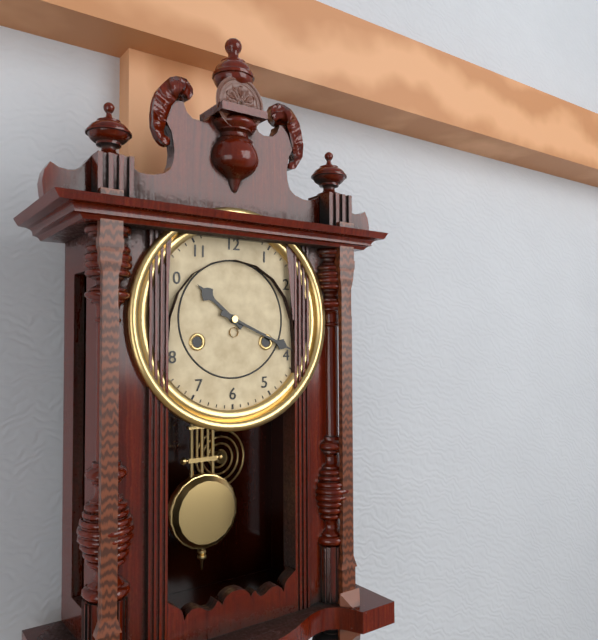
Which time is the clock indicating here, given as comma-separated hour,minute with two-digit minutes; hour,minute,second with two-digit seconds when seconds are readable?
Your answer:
10,19
